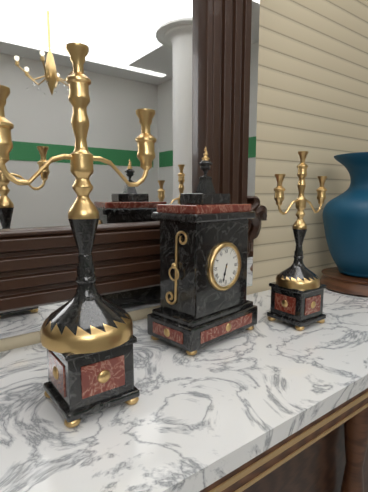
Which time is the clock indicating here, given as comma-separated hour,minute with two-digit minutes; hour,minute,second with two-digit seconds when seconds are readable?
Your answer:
6,33
